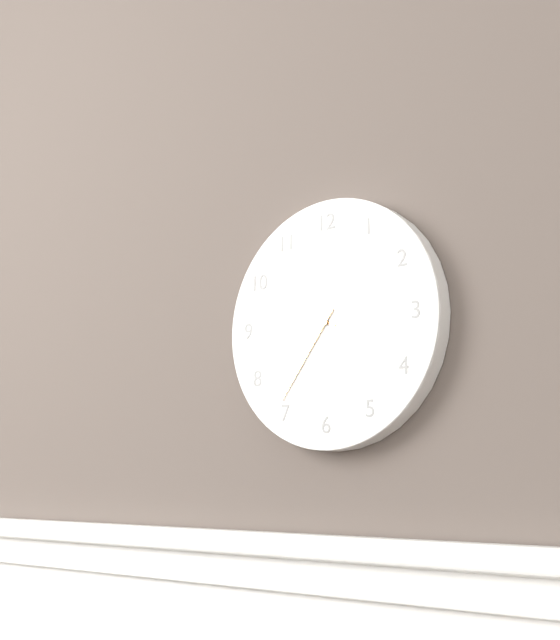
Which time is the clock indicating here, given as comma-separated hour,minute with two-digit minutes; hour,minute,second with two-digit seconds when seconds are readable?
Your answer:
9,36
